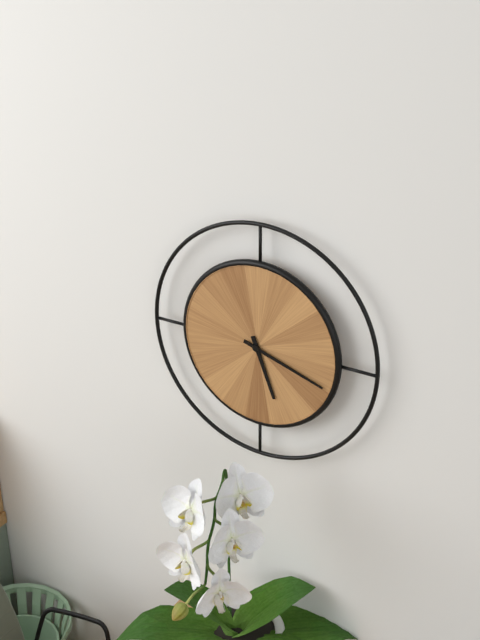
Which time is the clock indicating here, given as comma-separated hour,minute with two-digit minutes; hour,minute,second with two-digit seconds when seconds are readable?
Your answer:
5,18
